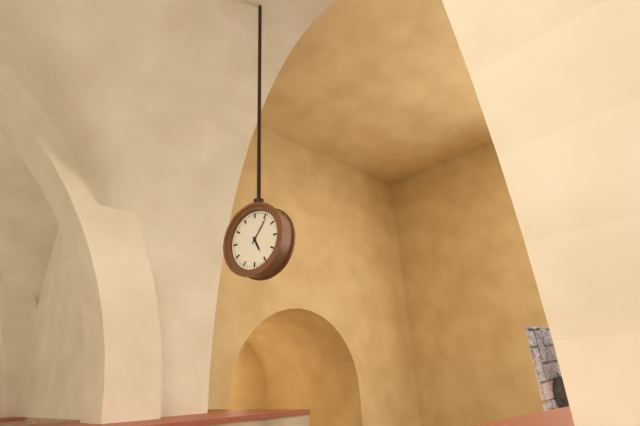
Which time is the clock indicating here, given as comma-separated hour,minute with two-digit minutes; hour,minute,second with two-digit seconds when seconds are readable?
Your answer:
5,06
